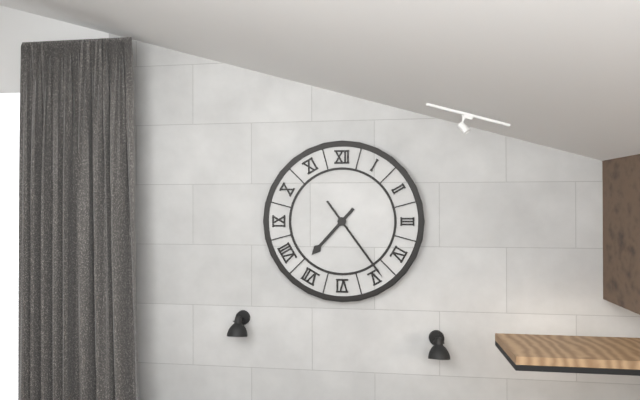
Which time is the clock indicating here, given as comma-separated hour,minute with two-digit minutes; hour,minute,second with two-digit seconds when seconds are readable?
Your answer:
7,24
